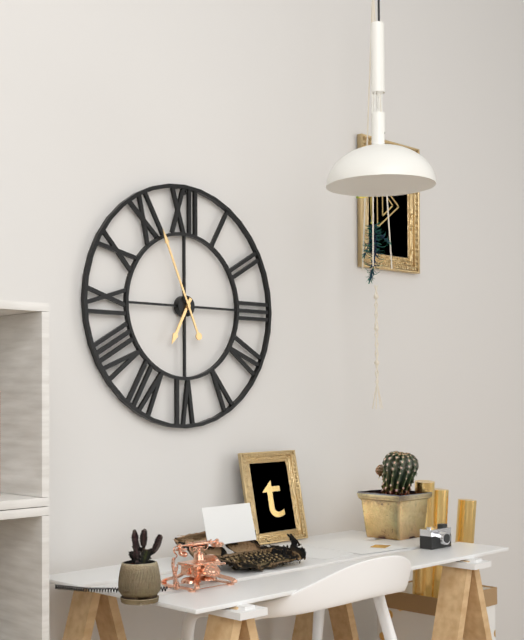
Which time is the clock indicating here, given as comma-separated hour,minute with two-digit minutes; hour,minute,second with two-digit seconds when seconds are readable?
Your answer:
6,56
